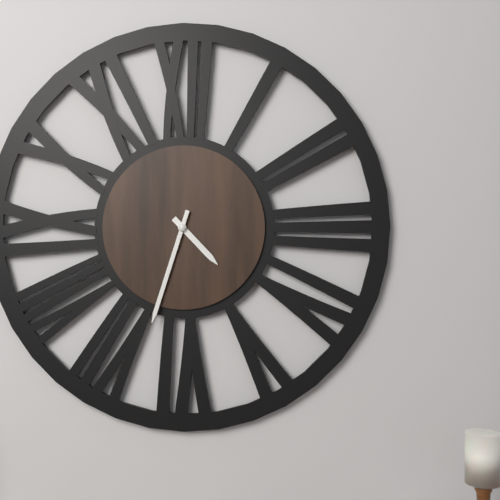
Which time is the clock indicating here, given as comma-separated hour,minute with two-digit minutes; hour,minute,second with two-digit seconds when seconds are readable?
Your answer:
4,33
